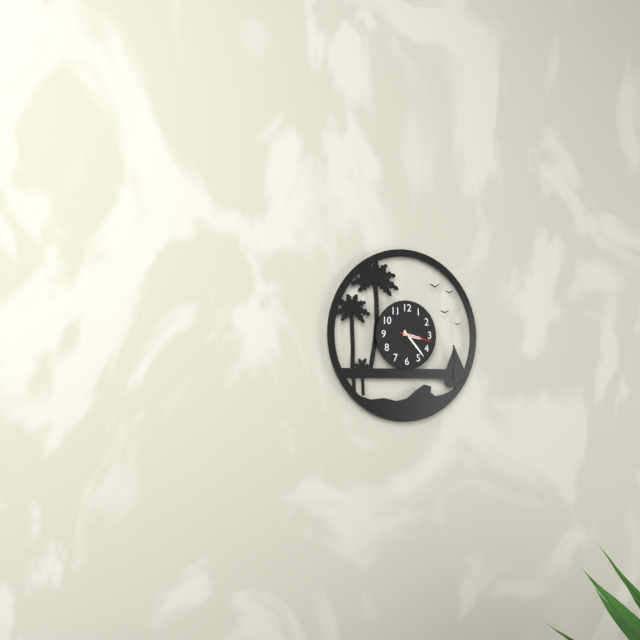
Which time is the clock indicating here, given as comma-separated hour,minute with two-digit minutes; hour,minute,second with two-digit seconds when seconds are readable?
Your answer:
3,23
